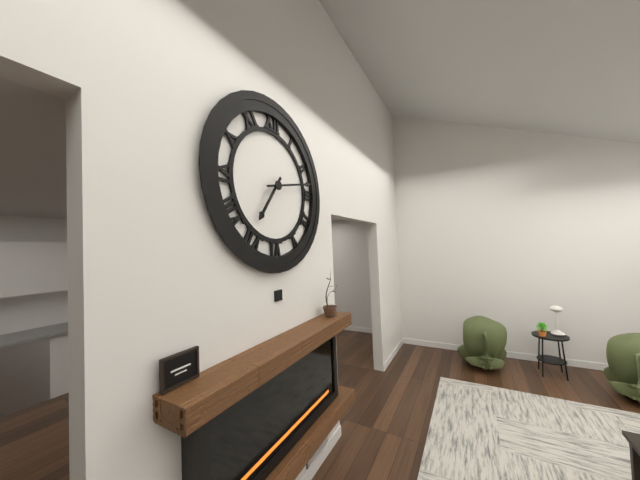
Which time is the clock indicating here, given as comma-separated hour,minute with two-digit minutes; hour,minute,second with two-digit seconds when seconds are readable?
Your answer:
7,13
